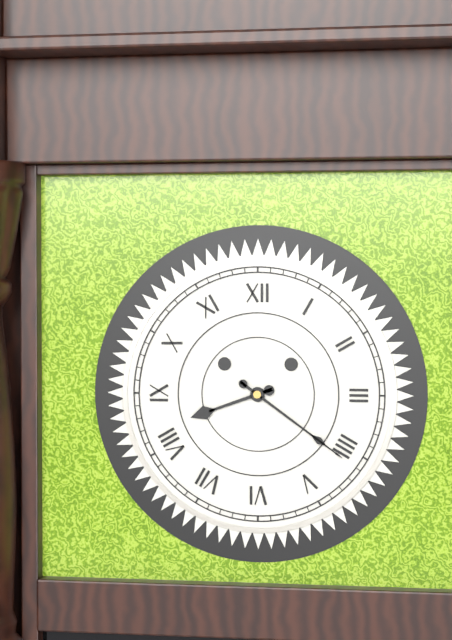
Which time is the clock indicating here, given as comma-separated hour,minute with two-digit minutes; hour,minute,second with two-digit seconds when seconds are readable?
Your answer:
8,21
